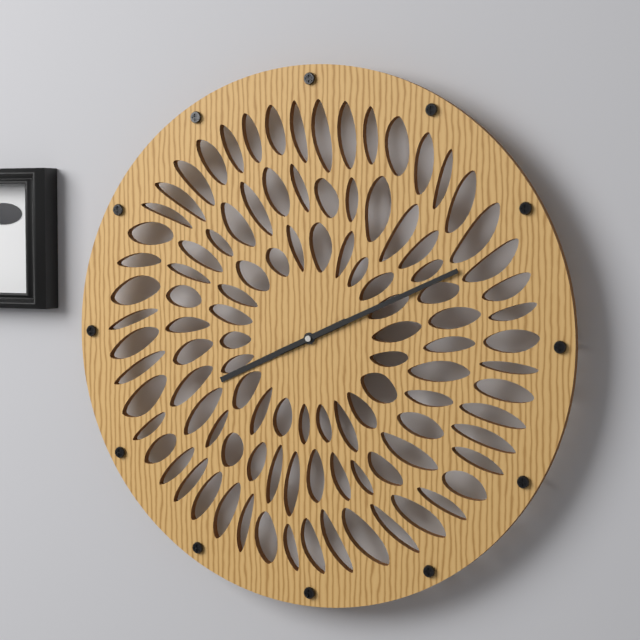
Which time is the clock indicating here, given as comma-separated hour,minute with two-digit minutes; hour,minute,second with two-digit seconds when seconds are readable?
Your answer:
8,11
